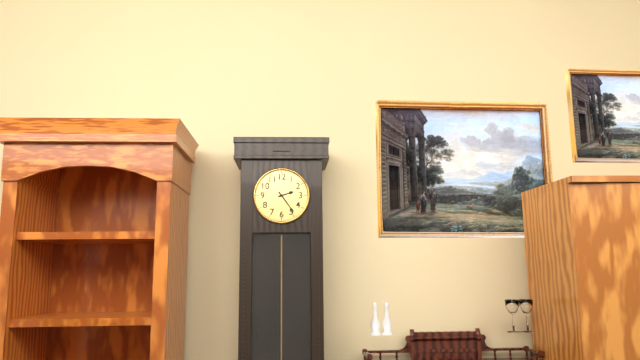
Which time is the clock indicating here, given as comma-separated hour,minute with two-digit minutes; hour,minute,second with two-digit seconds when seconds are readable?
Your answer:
2,24
